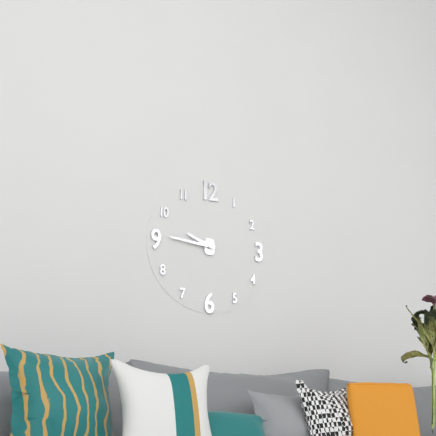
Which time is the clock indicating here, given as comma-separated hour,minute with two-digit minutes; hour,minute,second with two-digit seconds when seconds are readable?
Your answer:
9,46
